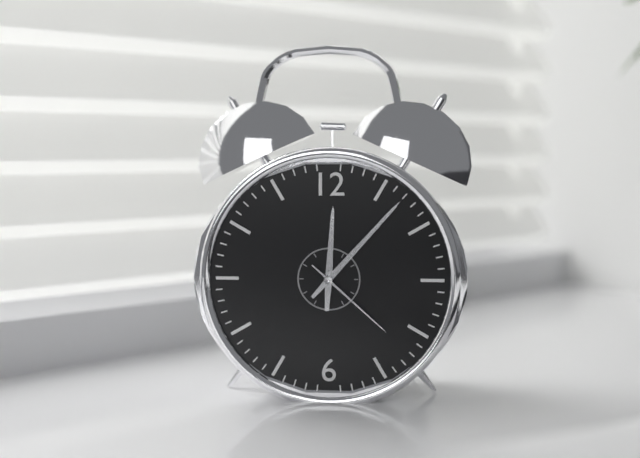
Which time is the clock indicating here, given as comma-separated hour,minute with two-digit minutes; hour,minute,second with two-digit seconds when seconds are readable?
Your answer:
12,07,22
